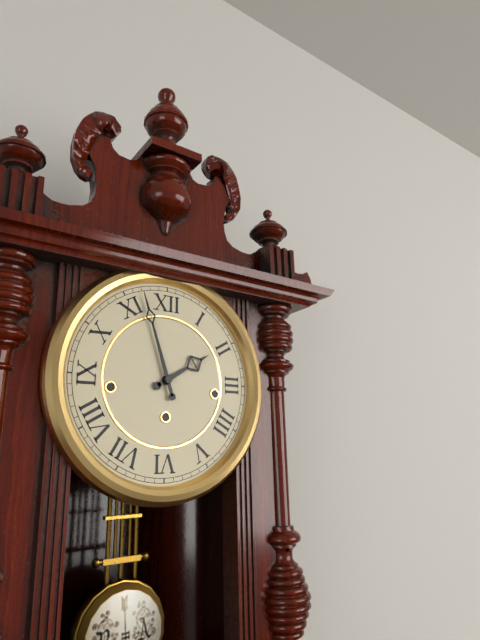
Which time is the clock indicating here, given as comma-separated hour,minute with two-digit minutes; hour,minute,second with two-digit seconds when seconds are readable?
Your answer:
1,57
